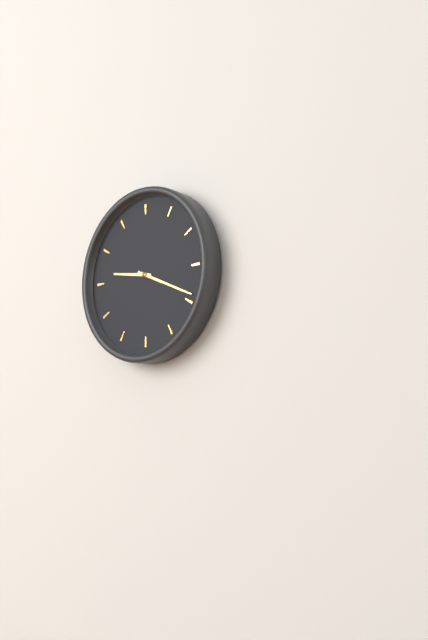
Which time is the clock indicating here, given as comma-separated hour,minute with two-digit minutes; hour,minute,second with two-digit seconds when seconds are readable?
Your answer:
9,19
